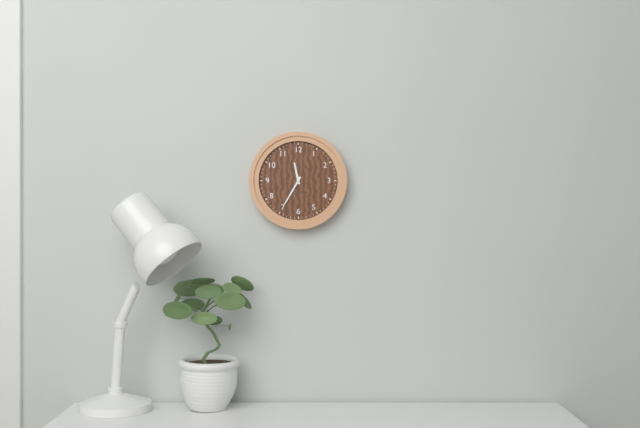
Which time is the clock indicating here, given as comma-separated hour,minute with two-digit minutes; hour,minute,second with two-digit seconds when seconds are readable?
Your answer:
11,35
